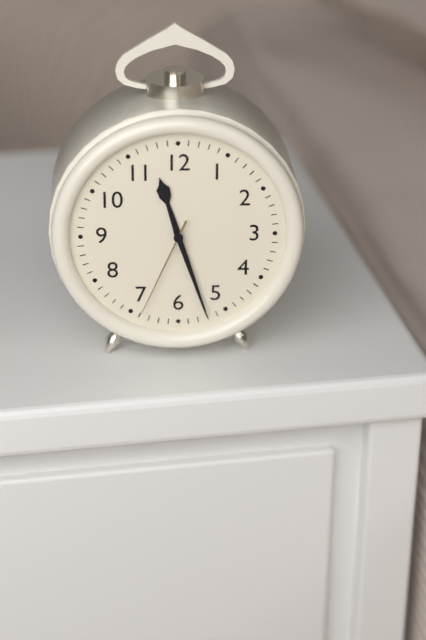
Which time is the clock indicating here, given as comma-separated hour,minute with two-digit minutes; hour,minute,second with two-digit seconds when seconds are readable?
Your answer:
11,27,34
